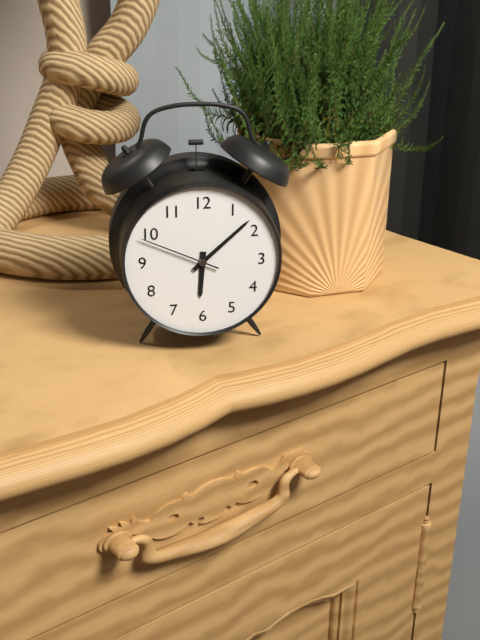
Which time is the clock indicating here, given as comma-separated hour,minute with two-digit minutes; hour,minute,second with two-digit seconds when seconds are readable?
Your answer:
6,08,49
